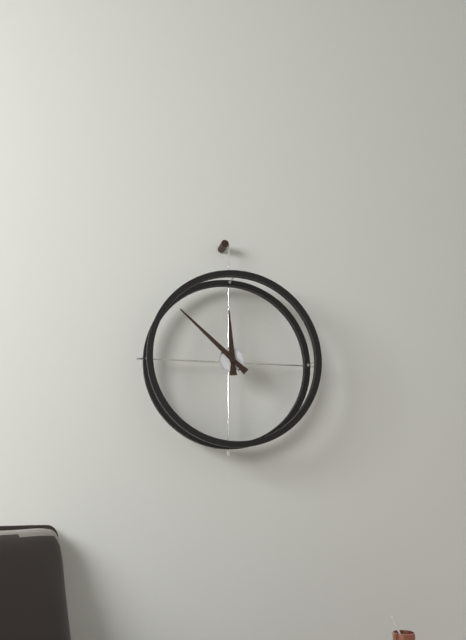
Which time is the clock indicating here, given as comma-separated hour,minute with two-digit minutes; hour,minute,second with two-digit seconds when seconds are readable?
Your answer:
11,52
